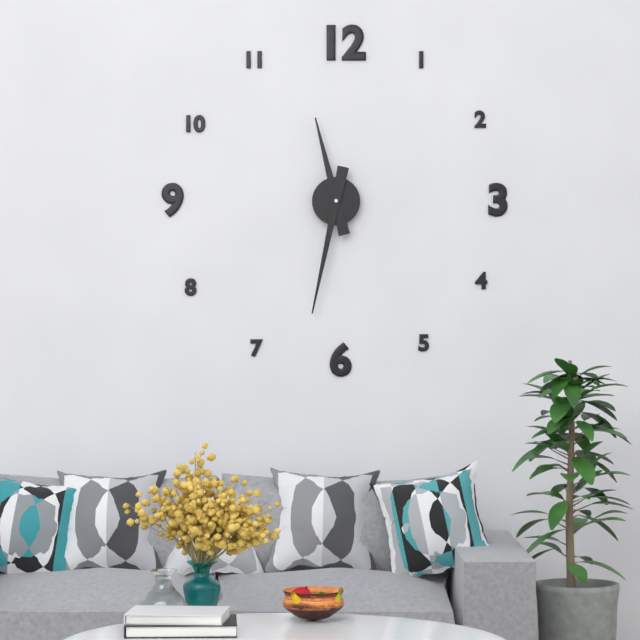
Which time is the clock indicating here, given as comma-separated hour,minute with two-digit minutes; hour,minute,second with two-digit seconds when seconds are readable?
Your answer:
11,32
